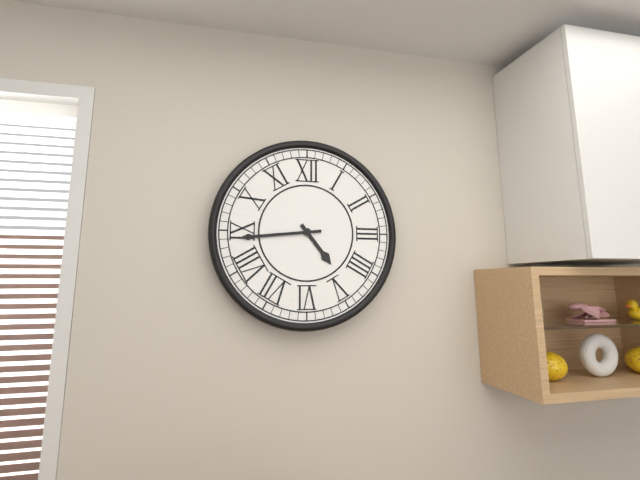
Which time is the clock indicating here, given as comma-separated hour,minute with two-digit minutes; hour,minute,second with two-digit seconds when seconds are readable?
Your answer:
4,44
